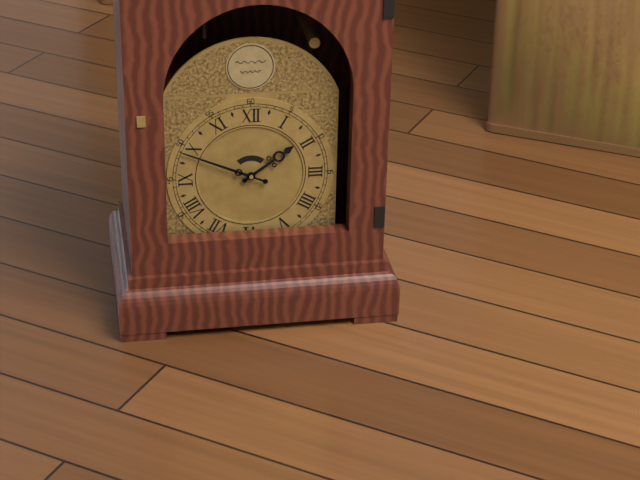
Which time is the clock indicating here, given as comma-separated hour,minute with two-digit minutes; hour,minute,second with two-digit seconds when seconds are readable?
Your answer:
1,49
